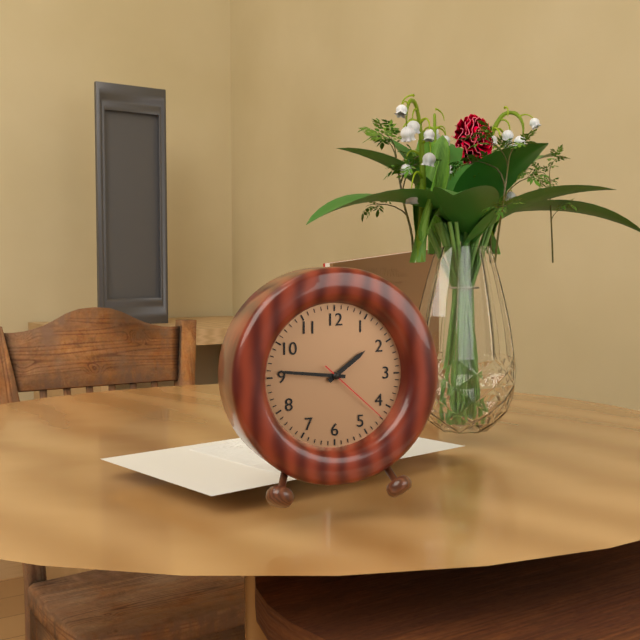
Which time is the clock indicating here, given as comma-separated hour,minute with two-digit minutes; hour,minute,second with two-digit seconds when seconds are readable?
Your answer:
1,46,22
